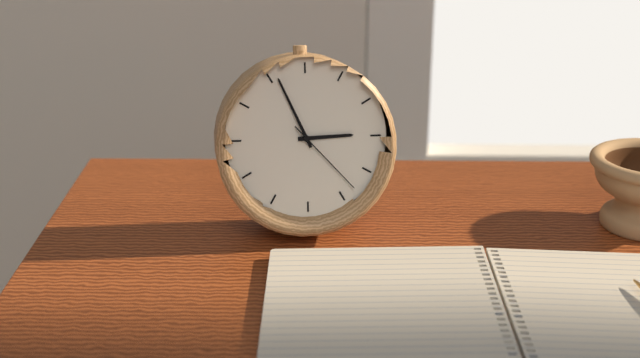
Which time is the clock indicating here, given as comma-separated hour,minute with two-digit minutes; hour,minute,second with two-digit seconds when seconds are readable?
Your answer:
2,56,23
